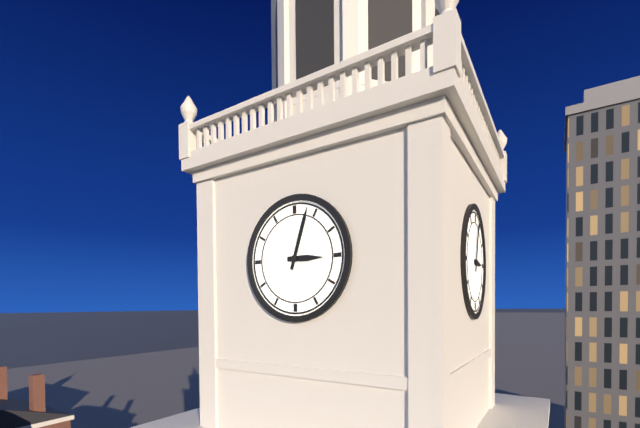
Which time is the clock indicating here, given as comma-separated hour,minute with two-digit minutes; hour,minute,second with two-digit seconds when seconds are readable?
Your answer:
3,03
